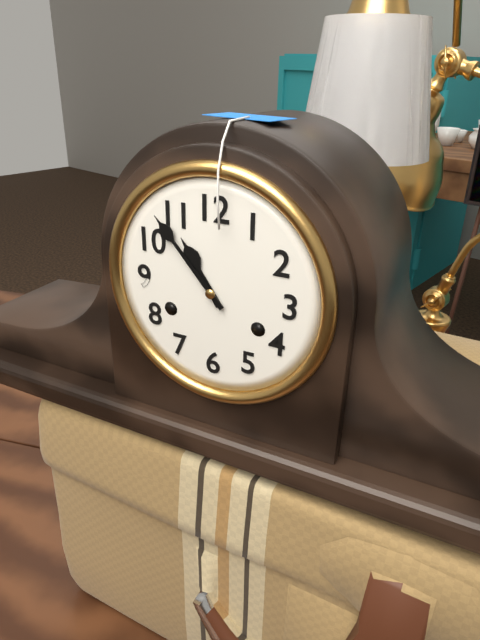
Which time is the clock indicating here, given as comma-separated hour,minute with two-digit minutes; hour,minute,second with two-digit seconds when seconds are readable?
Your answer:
10,53
